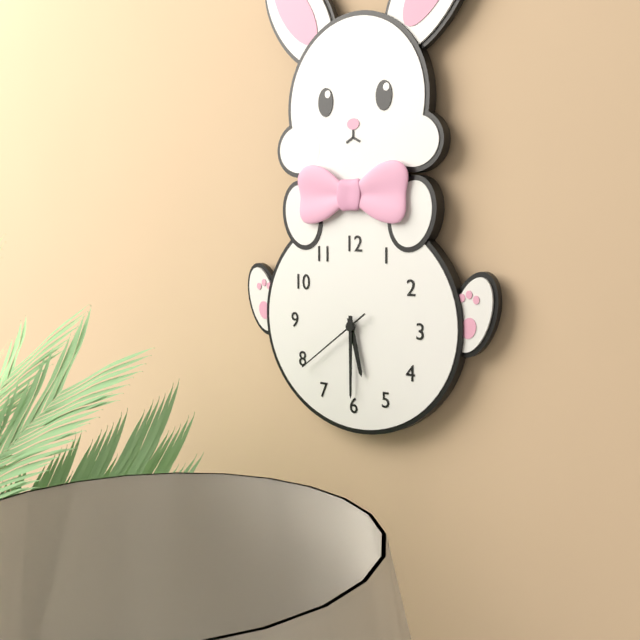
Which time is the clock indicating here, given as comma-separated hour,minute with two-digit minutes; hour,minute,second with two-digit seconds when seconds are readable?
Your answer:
5,30,39
